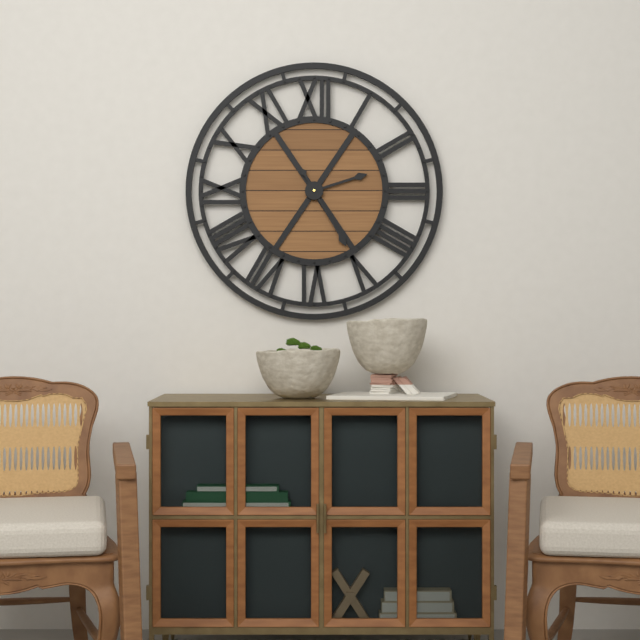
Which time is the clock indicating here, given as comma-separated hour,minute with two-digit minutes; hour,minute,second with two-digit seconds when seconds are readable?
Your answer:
2,25
